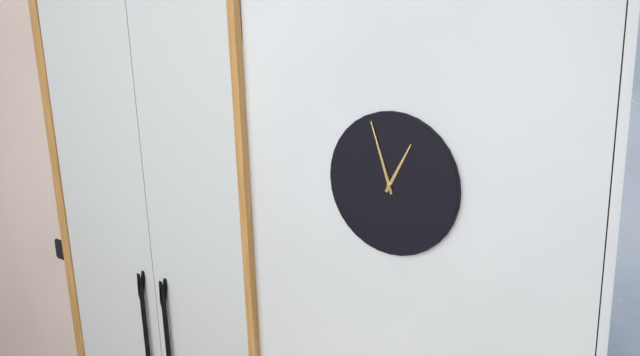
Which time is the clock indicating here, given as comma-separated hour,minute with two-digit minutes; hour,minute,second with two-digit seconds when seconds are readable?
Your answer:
12,57
